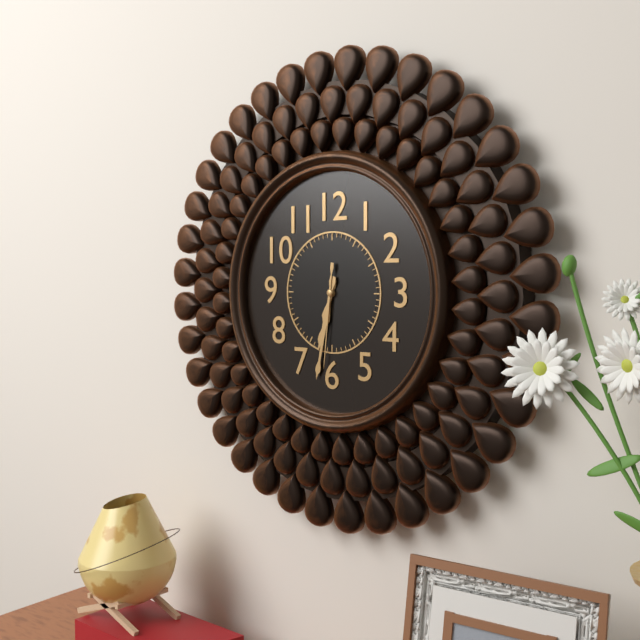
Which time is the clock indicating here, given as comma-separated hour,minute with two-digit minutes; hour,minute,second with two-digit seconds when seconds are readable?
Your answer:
6,32,31
